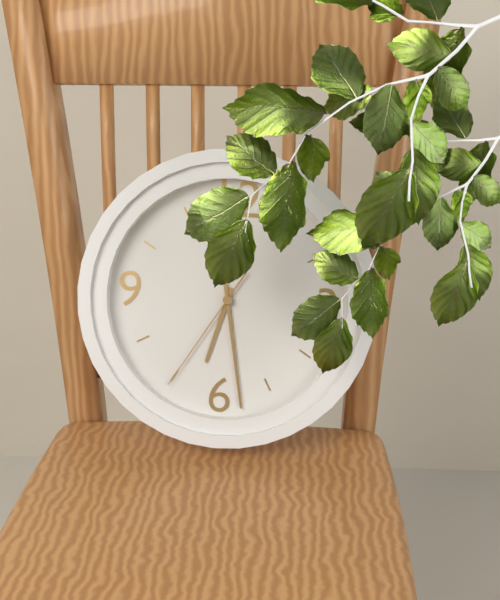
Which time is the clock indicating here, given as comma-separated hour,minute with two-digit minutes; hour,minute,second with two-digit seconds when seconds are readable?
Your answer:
6,28,35
